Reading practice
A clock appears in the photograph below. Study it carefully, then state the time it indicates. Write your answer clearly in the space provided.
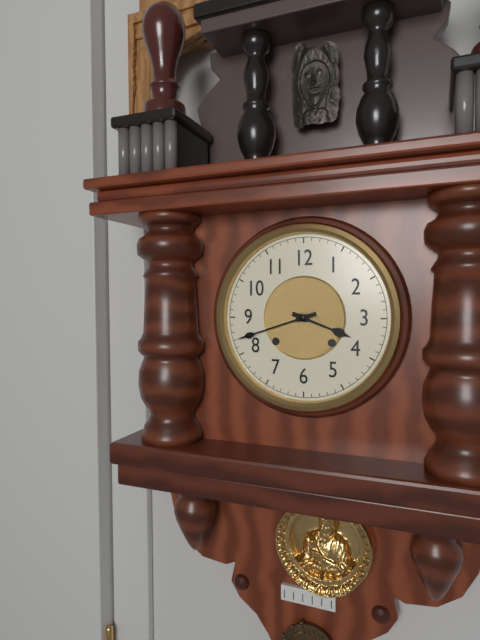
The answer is 3:42
